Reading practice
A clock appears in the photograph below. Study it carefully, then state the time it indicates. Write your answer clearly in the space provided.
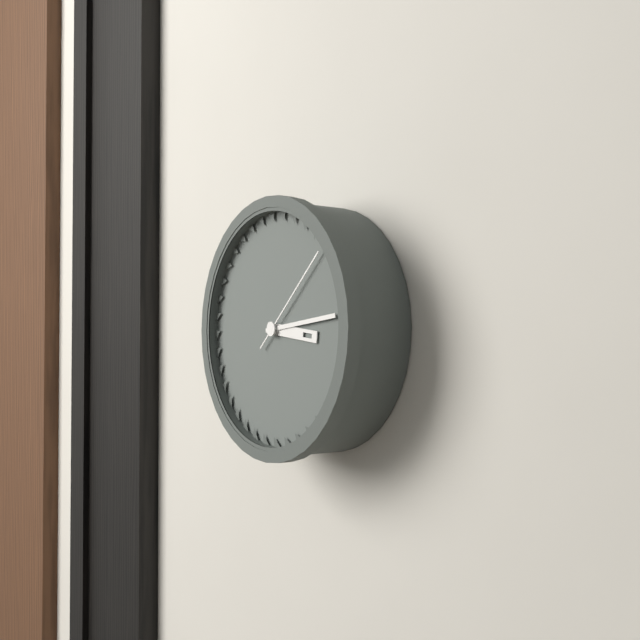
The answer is 3:14:08
